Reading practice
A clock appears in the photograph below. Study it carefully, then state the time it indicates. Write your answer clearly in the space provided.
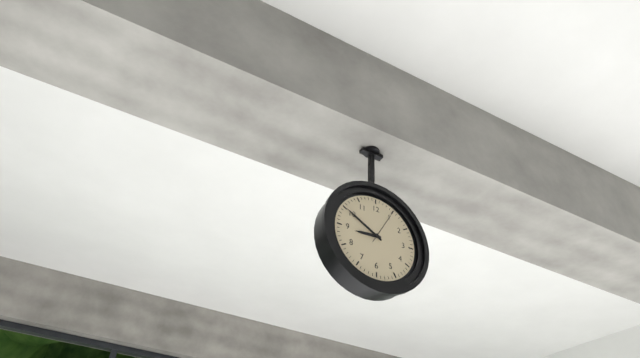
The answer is 8:50
